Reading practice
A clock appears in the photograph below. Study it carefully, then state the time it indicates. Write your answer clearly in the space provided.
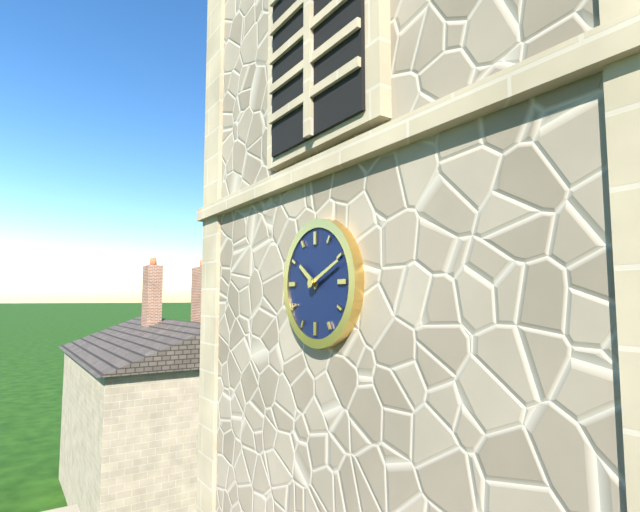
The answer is 10:11
